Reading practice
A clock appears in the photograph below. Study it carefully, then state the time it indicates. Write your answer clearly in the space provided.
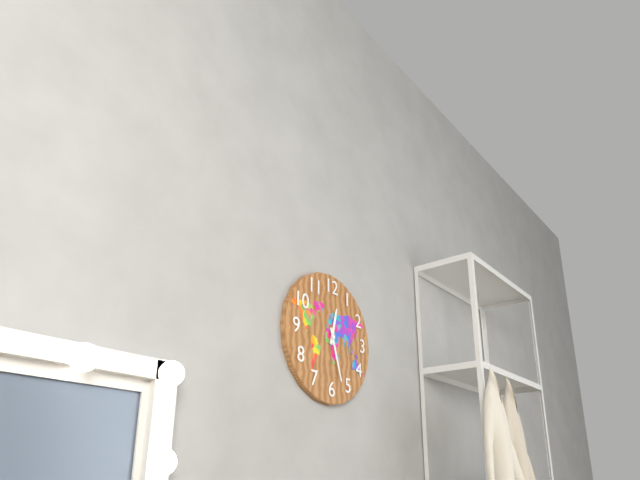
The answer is 12:27
